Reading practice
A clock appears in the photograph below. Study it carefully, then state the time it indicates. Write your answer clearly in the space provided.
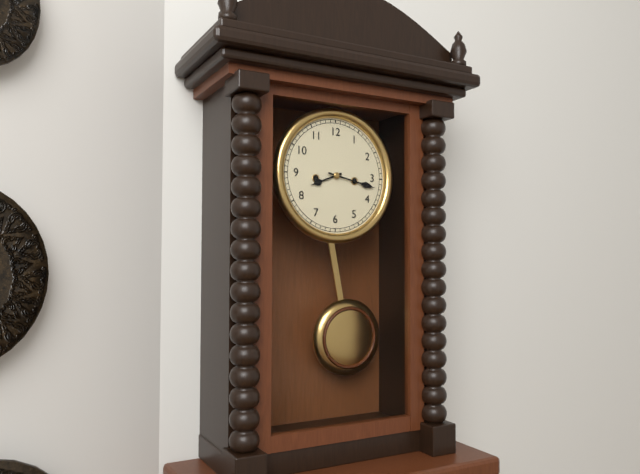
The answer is 8:17
